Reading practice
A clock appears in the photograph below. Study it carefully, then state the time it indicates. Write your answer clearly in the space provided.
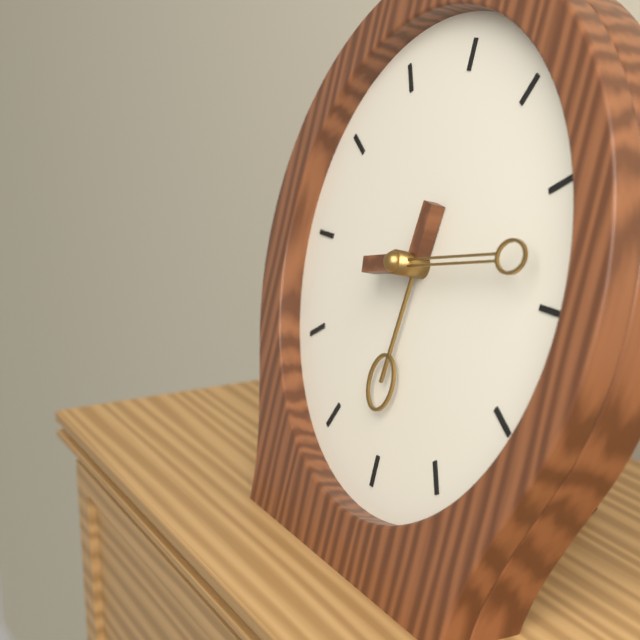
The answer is 6:13
